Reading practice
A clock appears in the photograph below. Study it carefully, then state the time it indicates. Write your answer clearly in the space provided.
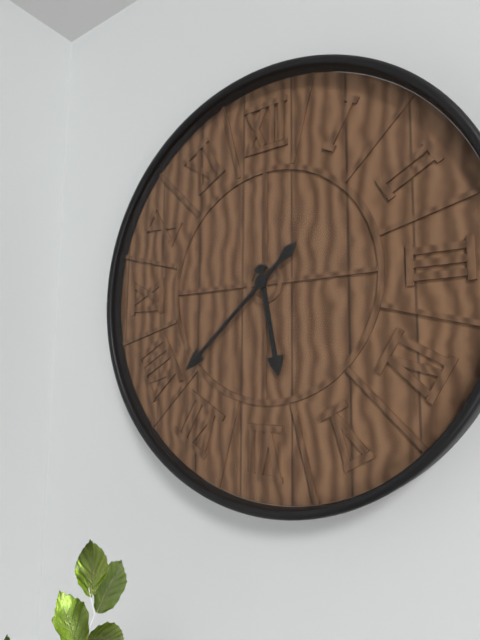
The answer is 5:38
